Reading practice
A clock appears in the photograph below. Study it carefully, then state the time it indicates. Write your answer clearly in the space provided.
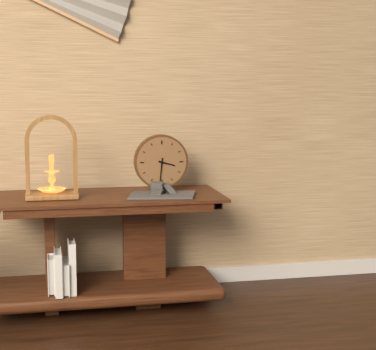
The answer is 3:31
